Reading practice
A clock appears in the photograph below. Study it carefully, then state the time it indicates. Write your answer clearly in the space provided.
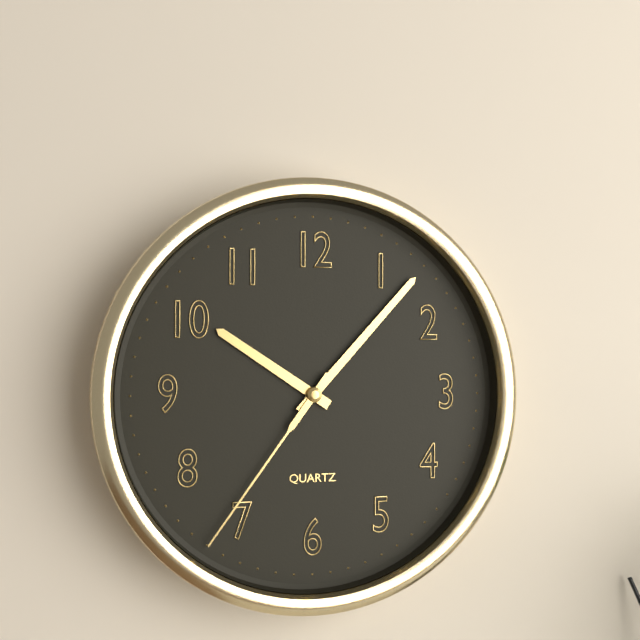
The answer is 10:07:36
